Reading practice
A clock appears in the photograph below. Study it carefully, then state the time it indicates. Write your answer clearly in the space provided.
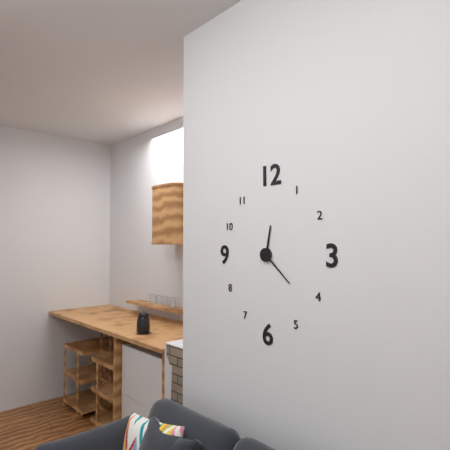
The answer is 12:22
